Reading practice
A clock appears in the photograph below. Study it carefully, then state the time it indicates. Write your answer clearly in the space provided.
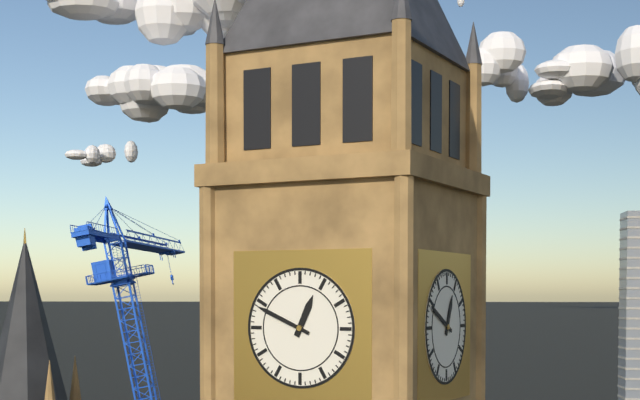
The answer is 12:49
